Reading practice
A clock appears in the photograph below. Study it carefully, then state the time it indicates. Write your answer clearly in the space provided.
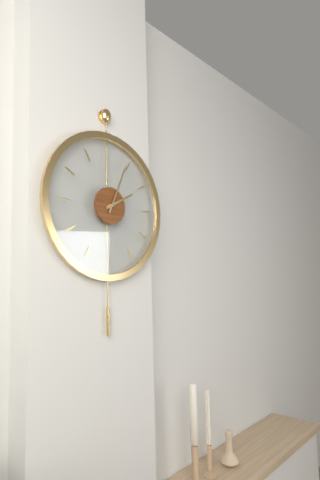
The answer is 2:04
